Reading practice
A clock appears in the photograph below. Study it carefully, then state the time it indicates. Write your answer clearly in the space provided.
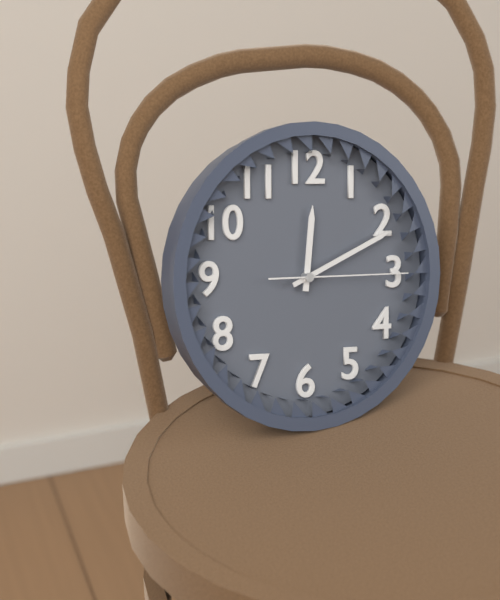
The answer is 12:11:15
